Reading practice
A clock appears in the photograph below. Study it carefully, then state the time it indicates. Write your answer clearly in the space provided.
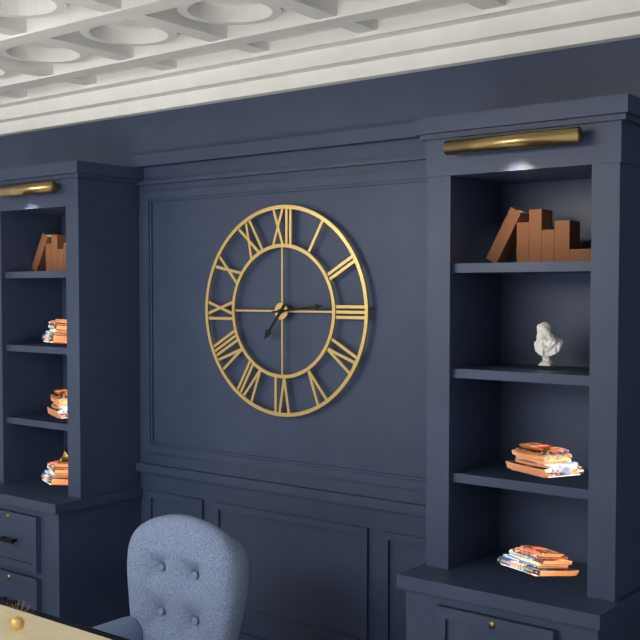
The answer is 7:14
